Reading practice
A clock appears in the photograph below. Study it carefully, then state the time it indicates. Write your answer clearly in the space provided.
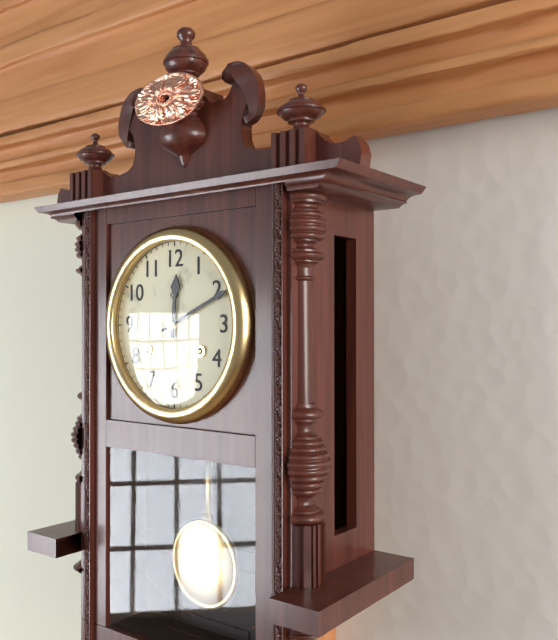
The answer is 12:11
